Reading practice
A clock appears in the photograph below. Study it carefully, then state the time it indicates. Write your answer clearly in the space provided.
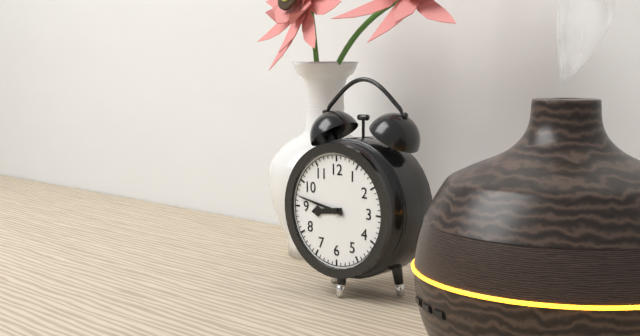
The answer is 8:47
